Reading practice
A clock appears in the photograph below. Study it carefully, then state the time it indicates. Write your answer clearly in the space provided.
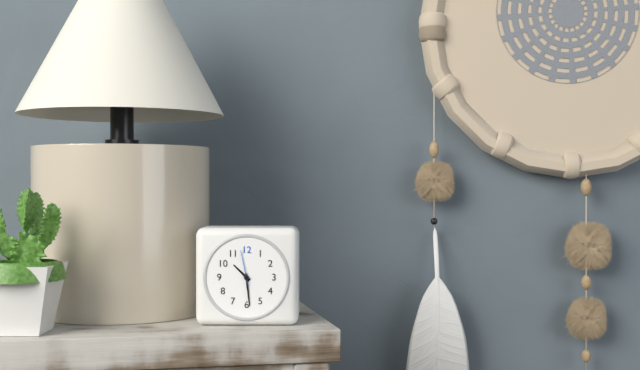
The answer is 10:29
